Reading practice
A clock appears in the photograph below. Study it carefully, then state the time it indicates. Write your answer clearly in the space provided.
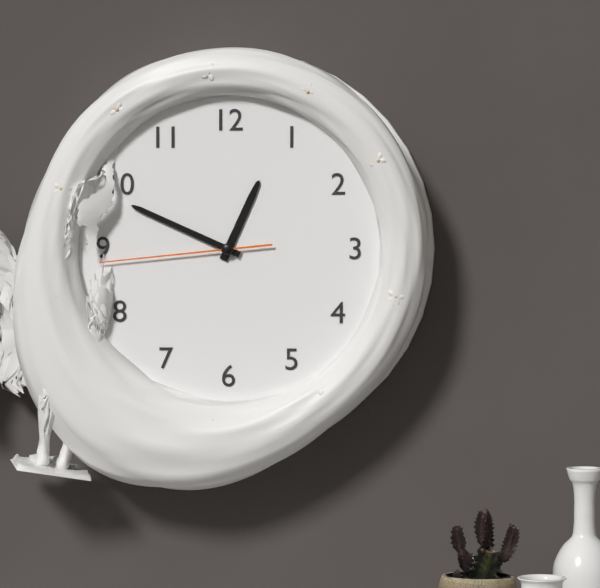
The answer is 12:49:44
